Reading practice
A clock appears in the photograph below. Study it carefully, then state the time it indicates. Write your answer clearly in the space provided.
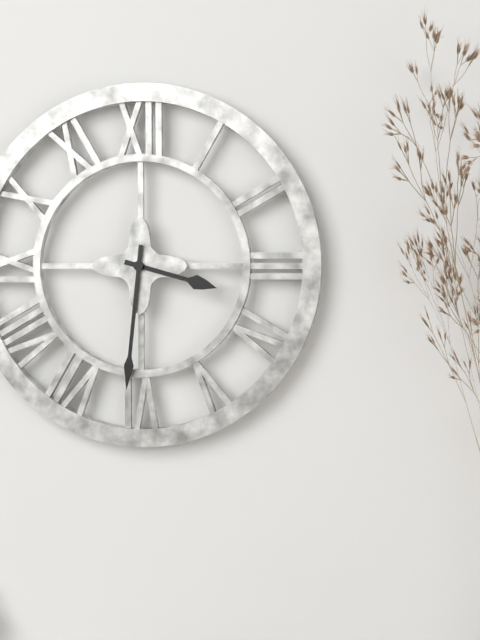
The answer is 3:31
